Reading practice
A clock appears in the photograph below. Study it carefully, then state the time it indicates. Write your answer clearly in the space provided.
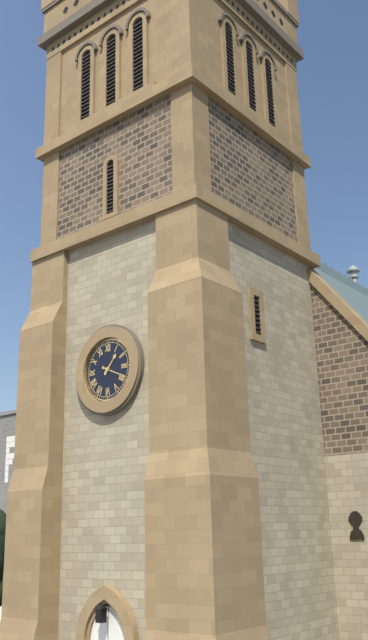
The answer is 1:19
